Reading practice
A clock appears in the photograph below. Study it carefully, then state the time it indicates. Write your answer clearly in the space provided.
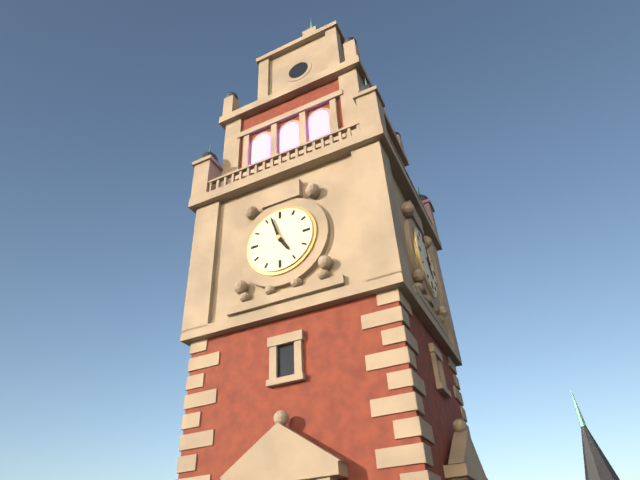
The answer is 4:57
